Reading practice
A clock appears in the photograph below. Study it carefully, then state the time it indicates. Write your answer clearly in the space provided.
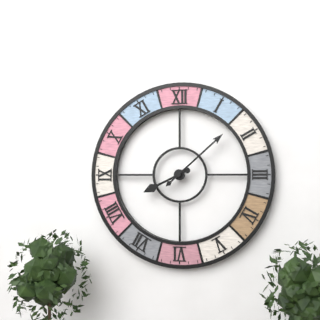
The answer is 8:08
